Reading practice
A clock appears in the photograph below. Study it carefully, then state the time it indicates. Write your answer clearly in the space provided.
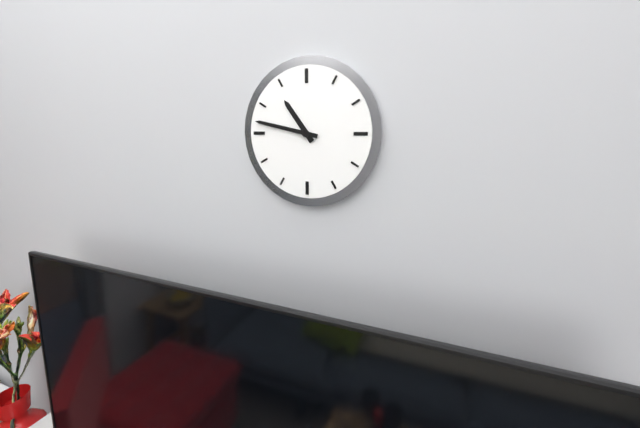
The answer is 10:47
